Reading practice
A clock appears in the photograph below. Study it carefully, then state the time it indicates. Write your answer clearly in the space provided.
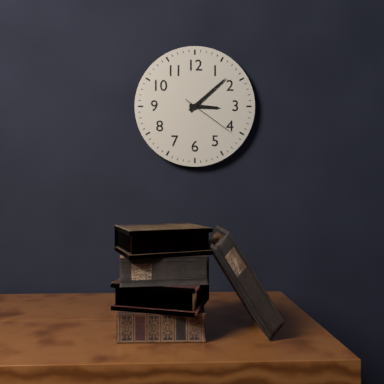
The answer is 3:08:21
